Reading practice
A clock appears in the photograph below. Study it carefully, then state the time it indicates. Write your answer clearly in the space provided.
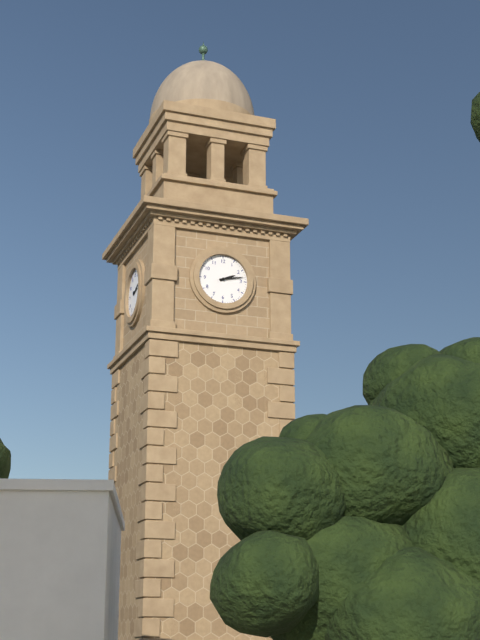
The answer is 2:13
